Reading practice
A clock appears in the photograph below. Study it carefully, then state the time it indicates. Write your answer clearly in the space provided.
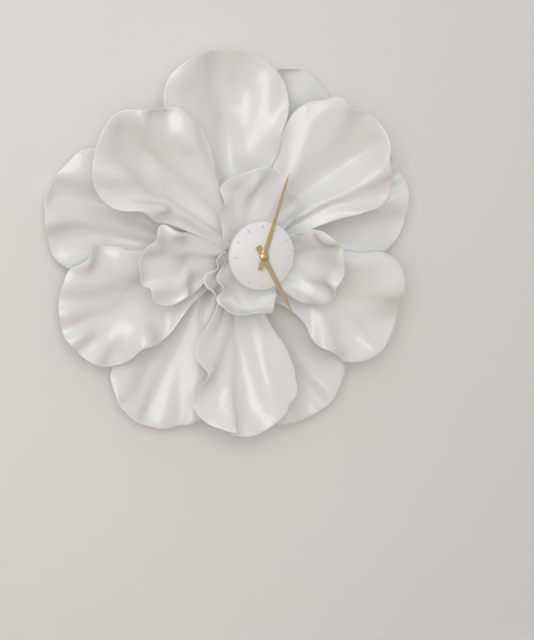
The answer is 5:03
